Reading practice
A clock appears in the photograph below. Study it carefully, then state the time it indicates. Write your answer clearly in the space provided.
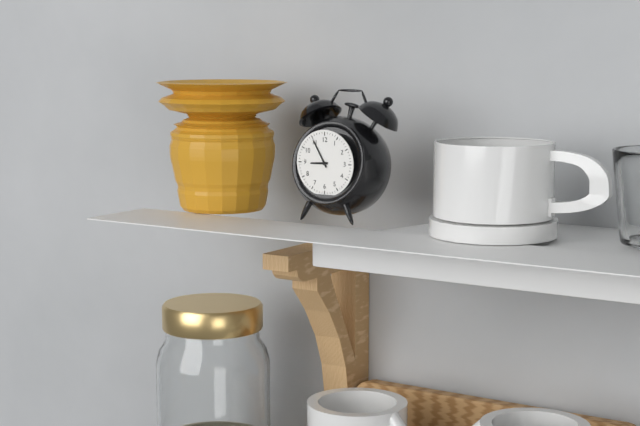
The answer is 8:55
